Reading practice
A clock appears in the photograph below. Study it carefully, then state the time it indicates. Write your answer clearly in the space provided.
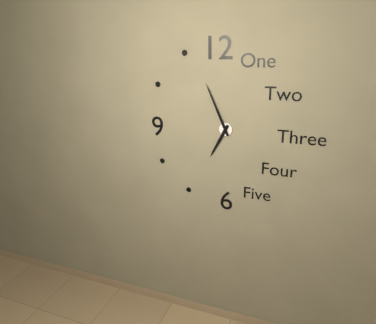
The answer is 6:56
